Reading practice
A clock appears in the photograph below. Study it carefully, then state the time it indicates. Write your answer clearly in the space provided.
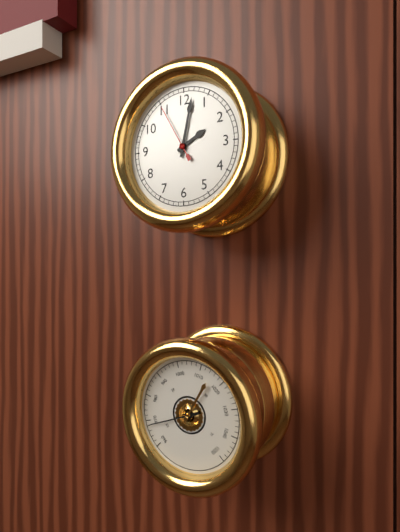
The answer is 2:02:55
